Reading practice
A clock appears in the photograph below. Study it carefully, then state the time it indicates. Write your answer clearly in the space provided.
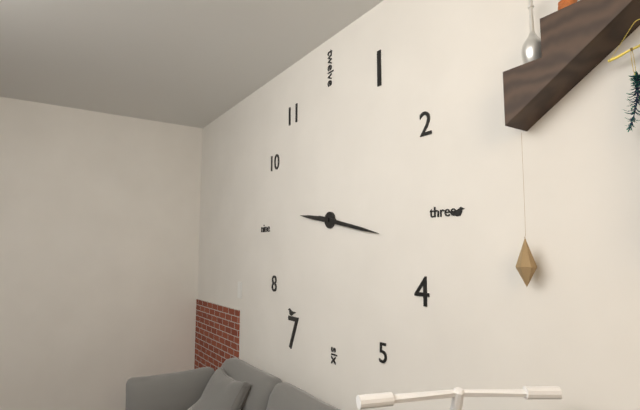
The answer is 9:17
